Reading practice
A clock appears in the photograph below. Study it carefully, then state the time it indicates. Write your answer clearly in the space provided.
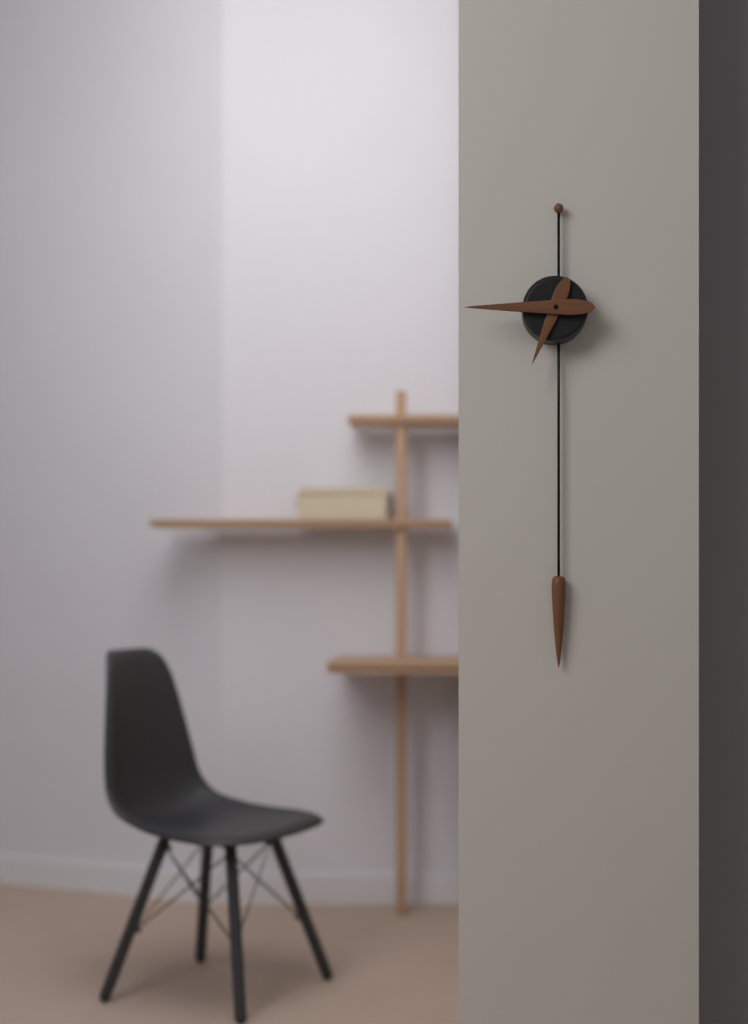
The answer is 6:45
